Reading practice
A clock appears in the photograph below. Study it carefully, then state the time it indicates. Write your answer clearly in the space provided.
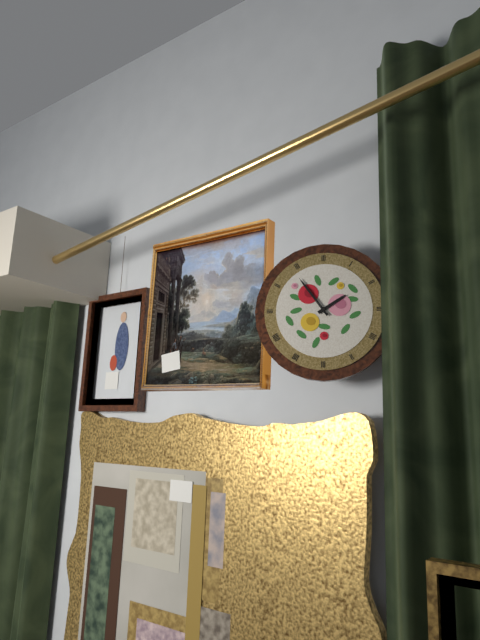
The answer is 1:54
